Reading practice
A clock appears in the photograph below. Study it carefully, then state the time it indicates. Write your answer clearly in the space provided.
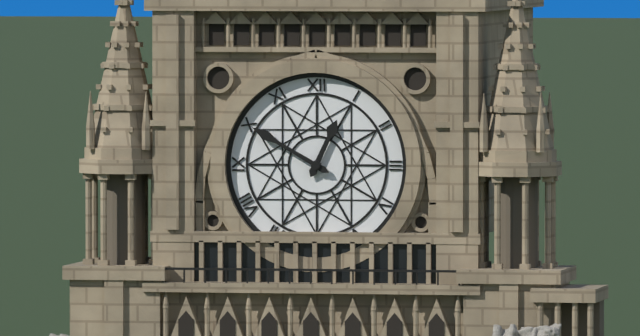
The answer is 12:50
